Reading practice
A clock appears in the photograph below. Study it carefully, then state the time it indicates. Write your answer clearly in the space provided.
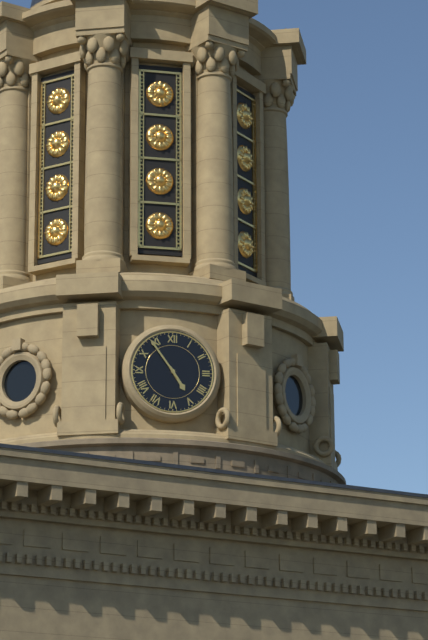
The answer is 4:54
